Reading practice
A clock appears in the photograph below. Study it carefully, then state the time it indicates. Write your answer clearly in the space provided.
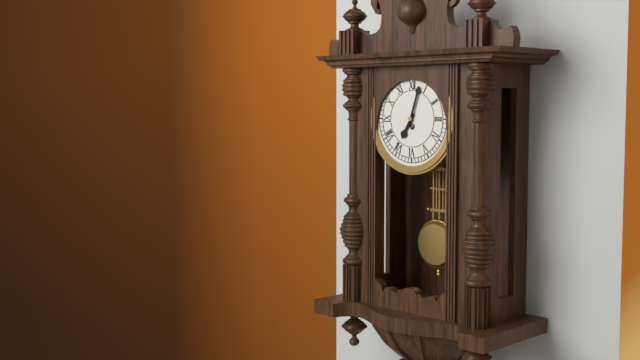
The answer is 7:03
